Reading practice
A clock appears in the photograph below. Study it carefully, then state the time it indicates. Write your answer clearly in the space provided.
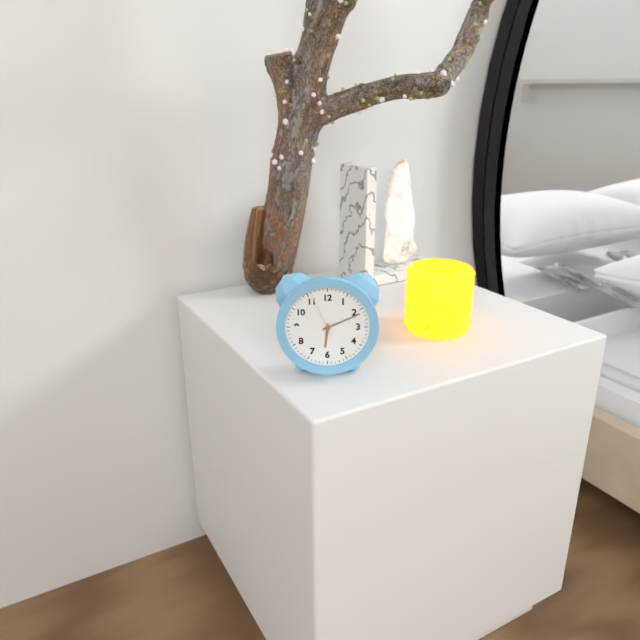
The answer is 6:11
